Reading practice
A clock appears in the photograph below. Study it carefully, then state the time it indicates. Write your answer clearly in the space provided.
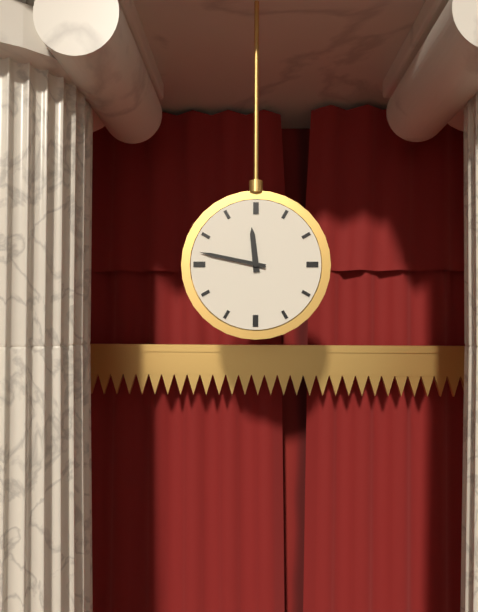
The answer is 11:47
